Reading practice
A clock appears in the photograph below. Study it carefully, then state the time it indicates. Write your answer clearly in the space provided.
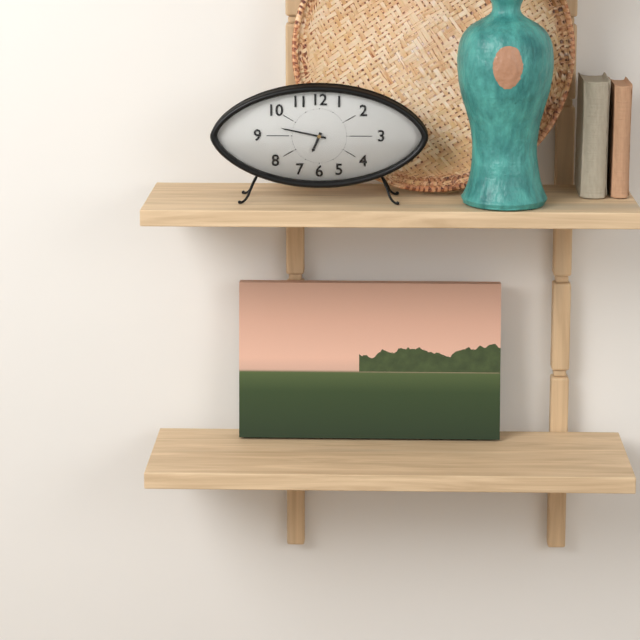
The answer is 6:47
